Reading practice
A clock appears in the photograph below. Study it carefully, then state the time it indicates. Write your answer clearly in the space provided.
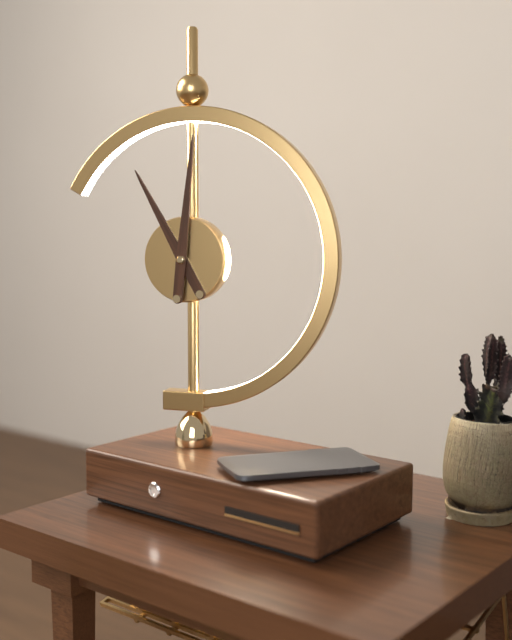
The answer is 11:01
